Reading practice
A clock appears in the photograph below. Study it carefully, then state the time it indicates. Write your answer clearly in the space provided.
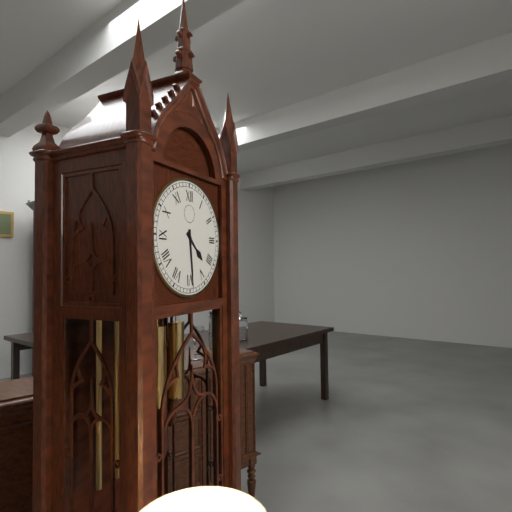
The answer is 4:29
